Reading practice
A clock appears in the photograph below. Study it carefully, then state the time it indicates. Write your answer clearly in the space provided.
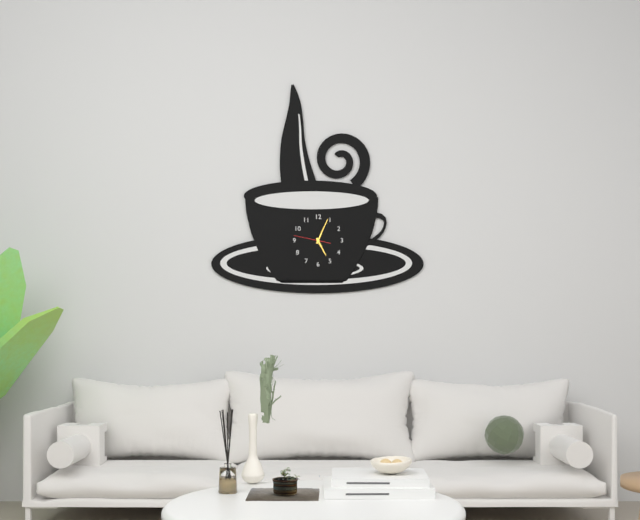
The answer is 5:04
